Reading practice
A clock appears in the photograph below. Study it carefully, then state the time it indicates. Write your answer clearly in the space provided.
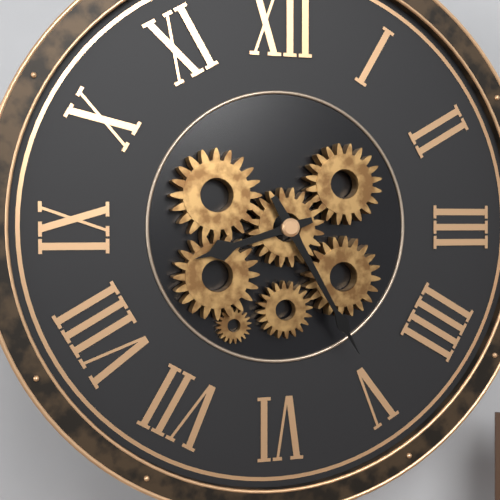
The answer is 8:25
